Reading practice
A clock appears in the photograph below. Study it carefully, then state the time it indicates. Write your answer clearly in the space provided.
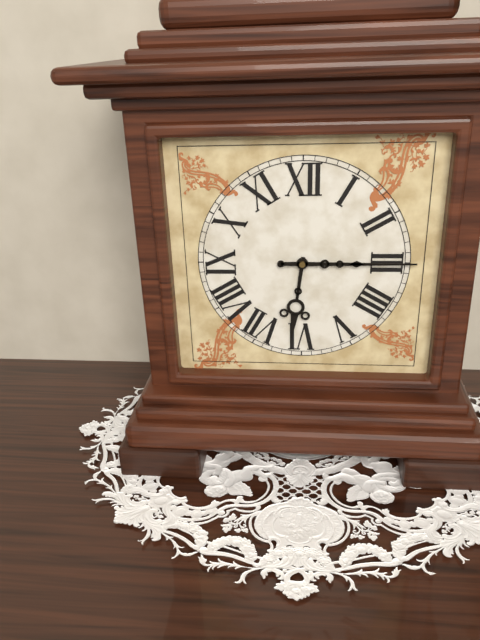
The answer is 6:15
